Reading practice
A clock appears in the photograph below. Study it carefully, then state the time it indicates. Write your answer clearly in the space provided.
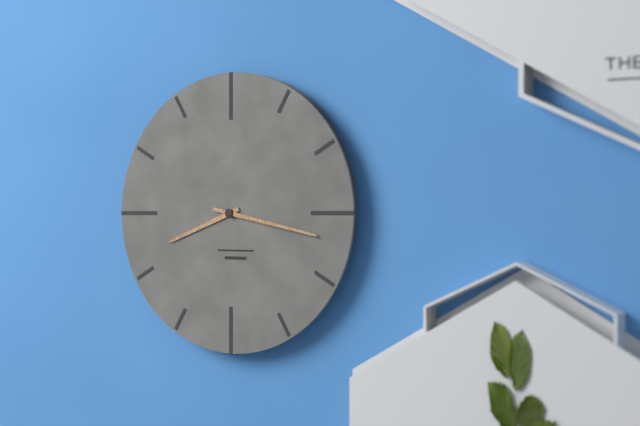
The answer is 8:17
